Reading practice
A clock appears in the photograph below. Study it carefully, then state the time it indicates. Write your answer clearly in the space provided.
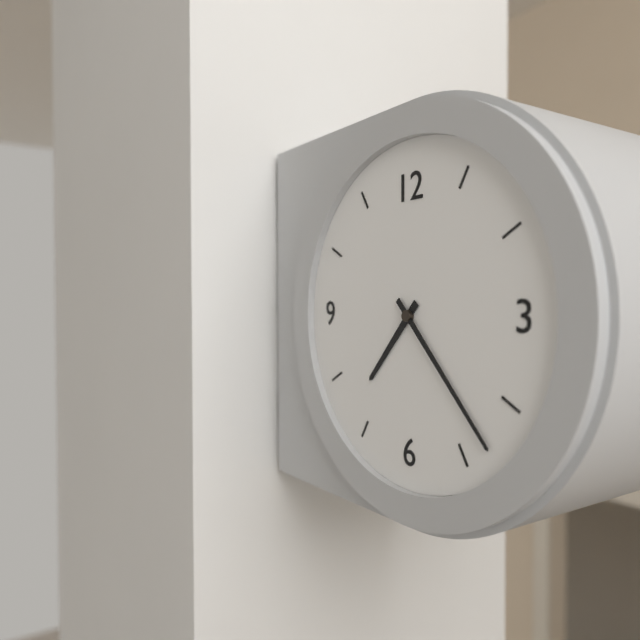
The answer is 7:23
